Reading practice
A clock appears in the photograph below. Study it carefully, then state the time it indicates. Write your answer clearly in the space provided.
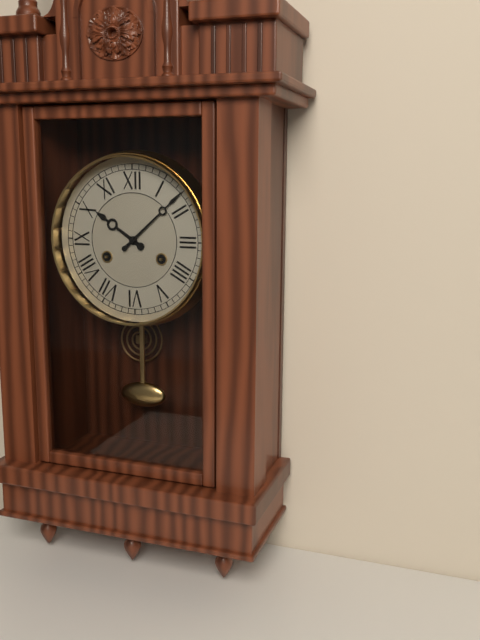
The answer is 10:08
